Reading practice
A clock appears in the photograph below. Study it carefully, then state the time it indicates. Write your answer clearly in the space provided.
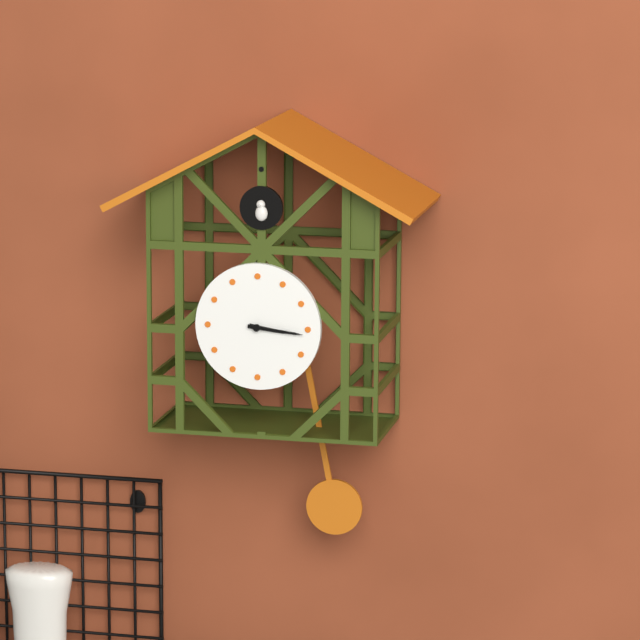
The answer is 3:16
